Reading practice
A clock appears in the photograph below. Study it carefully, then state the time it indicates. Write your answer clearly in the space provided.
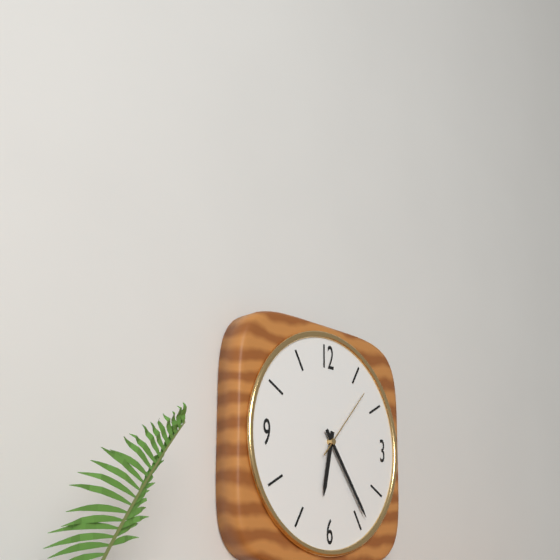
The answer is 6:24:07
